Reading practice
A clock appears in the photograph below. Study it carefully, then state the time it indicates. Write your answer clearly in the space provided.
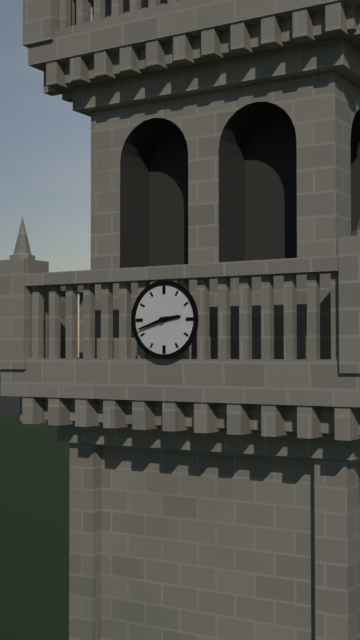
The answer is 2:42
